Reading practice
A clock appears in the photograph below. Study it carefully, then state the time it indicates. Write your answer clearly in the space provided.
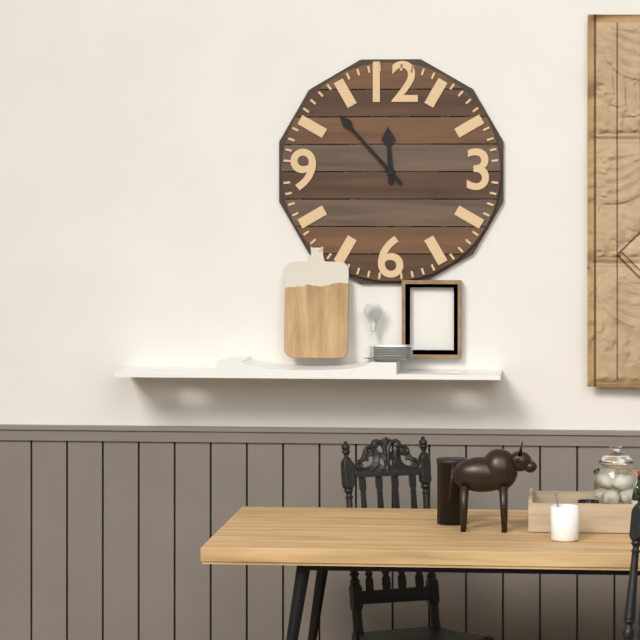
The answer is 11:53
